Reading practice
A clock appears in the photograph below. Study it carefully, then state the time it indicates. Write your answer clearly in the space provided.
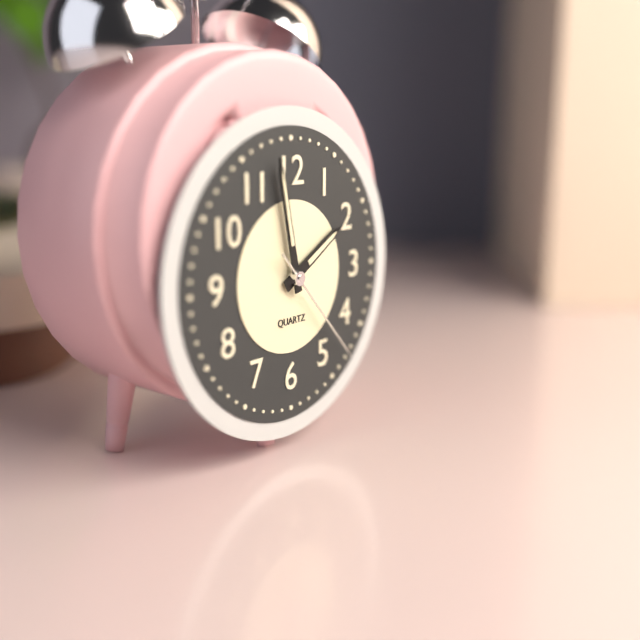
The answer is 1:58:23
